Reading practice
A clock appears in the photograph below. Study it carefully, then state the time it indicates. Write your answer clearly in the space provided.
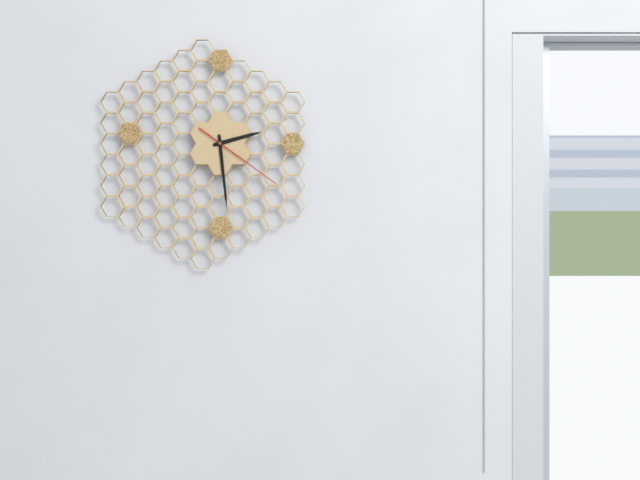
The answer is 2:29:21
